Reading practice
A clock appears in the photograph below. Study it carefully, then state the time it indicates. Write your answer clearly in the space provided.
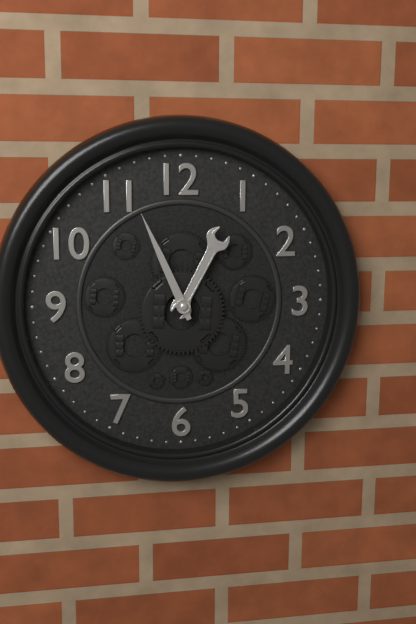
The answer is 12:56
